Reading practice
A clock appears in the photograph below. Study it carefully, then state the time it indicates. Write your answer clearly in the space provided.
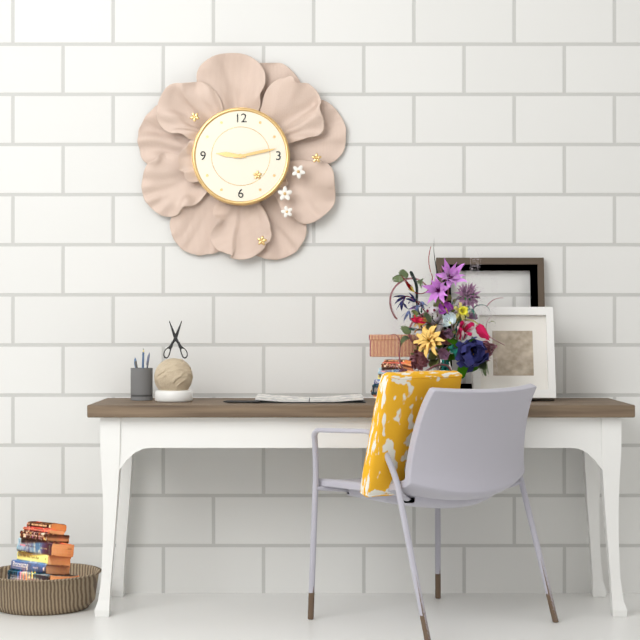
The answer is 9:13
